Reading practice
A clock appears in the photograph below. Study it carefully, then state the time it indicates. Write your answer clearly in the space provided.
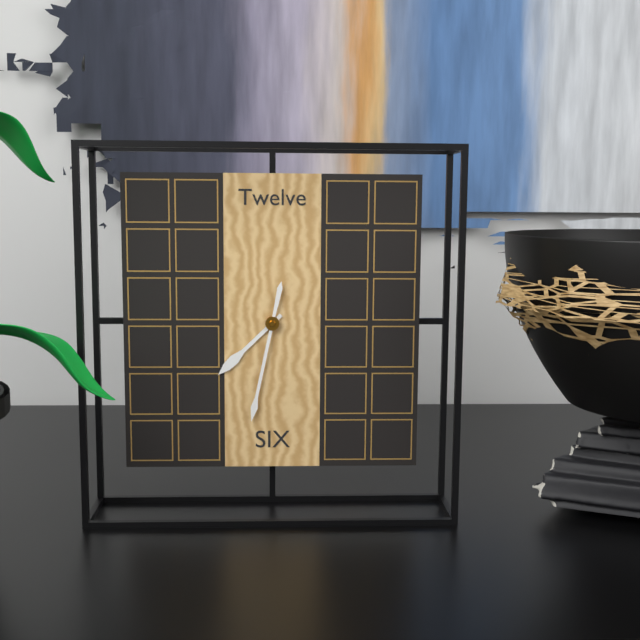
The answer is 7:32
